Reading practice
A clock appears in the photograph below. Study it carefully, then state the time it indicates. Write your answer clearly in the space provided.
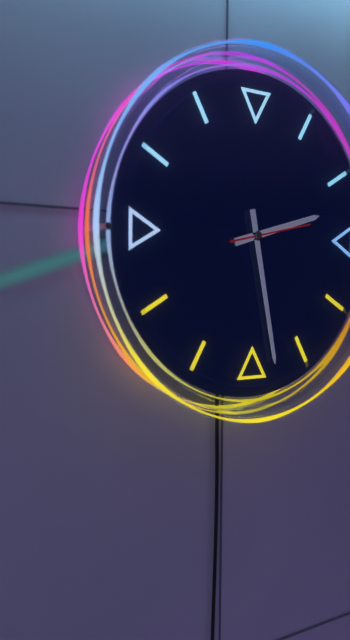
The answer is 2:28:13
